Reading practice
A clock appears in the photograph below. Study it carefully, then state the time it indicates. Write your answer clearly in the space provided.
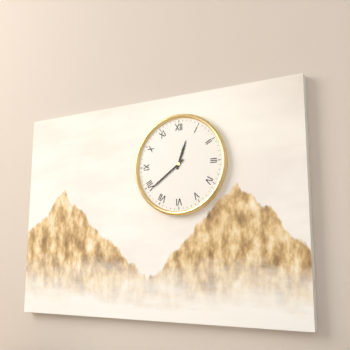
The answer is 12:39
